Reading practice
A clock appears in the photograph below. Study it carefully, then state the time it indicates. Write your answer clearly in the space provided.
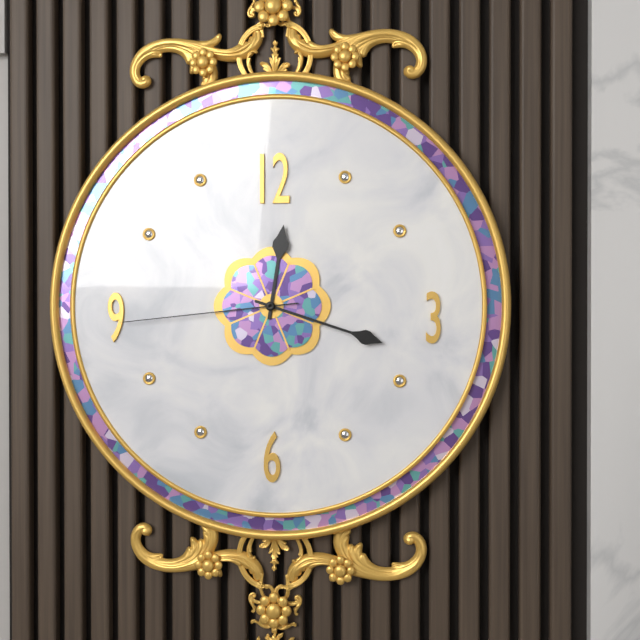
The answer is 12:18:44
